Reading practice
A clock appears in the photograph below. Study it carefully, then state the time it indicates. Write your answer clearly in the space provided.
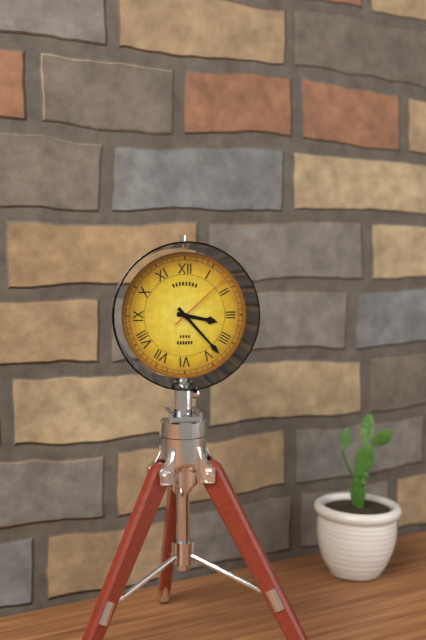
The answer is 3:23:08
